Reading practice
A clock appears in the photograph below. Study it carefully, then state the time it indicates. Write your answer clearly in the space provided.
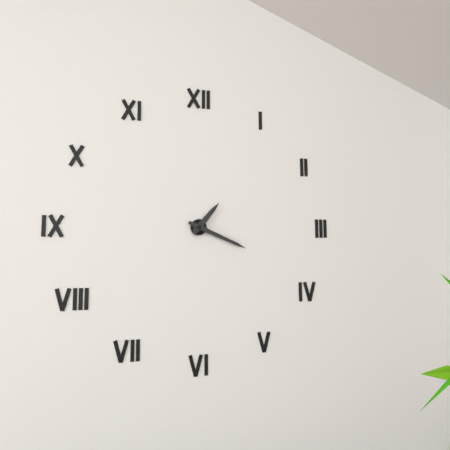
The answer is 1:19
